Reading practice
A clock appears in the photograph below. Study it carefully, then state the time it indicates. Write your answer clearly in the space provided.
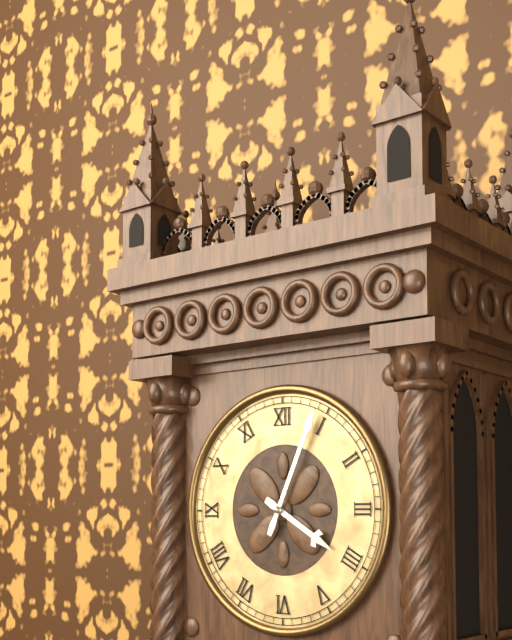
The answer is 4:04
